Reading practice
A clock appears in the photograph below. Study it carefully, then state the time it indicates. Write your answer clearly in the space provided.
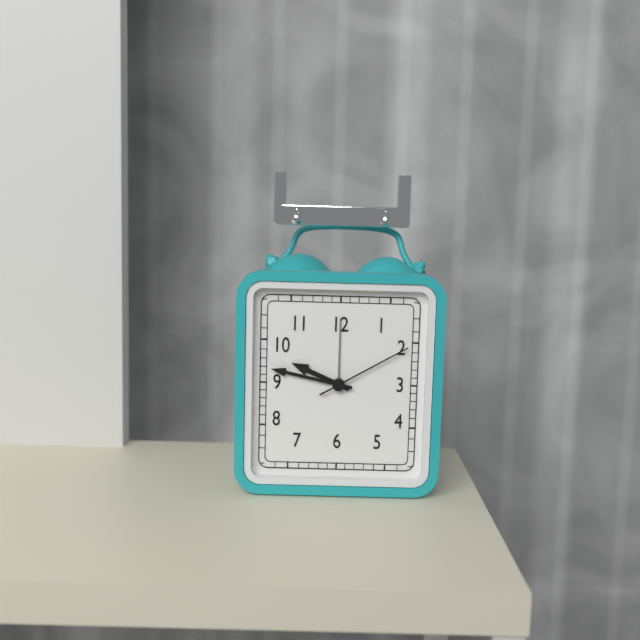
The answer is 9:47:10
